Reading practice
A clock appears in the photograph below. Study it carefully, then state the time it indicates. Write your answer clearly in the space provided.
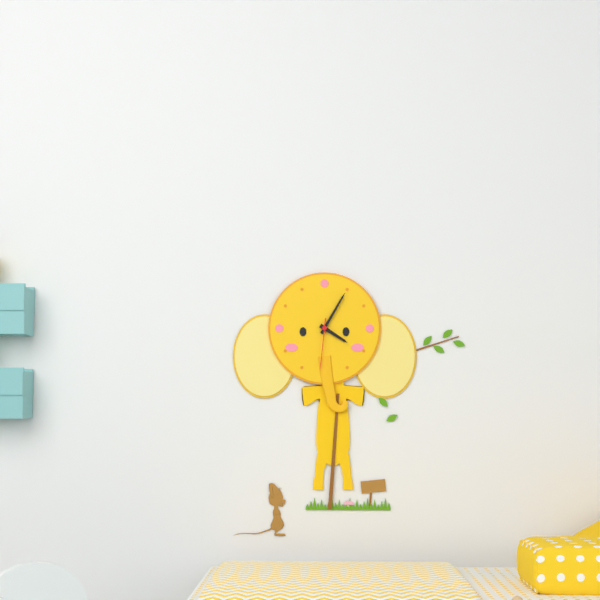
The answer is 4:05:31
